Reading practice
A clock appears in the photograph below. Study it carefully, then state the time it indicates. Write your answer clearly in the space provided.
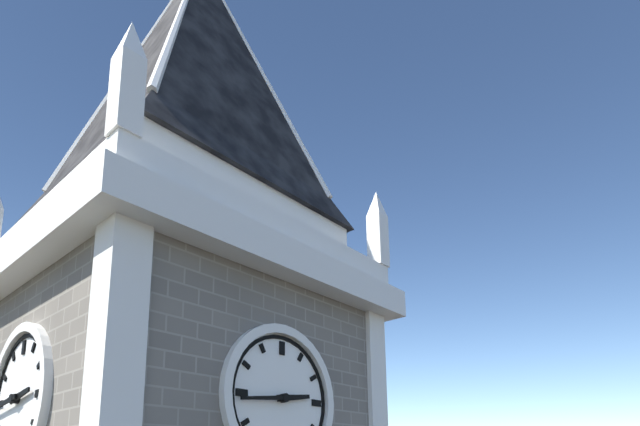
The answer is 2:44
